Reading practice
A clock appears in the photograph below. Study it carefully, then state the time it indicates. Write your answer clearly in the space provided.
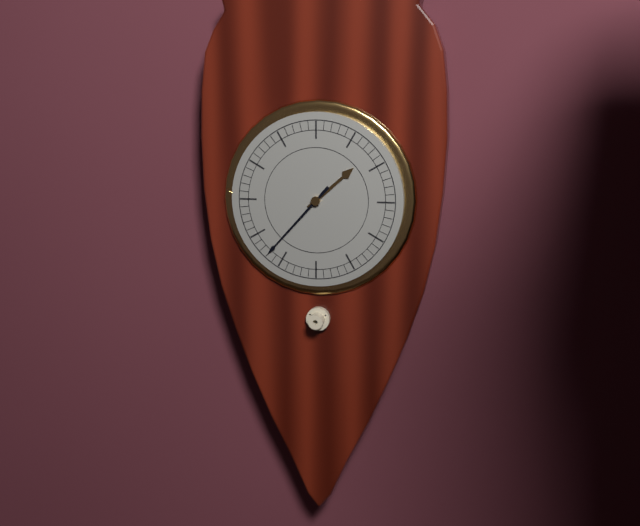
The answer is 1:37
